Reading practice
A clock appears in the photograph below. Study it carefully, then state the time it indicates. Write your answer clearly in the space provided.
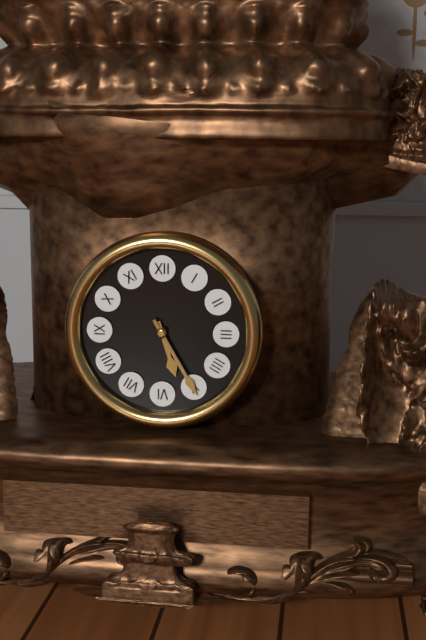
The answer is 5:25
